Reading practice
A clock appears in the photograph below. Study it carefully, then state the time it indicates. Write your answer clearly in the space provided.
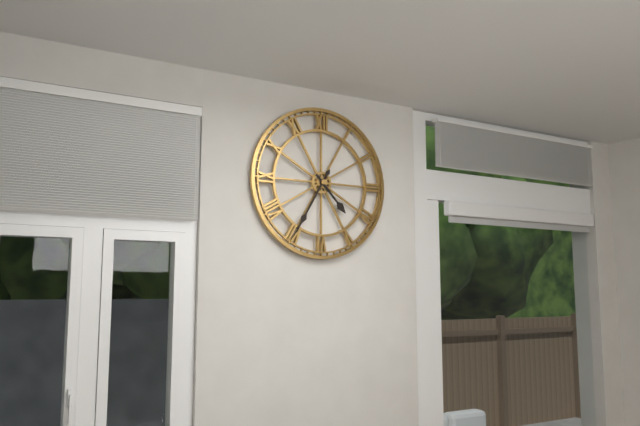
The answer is 4:35
